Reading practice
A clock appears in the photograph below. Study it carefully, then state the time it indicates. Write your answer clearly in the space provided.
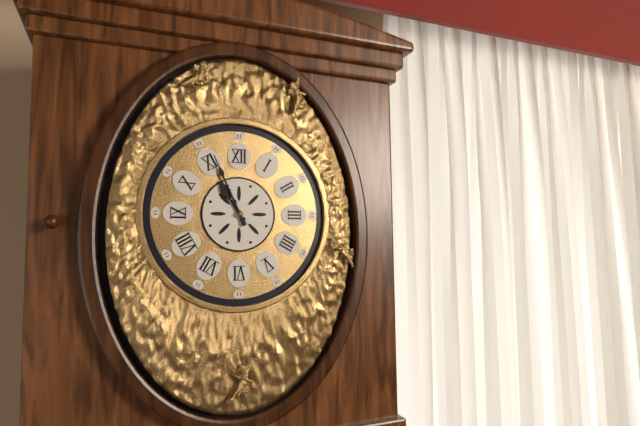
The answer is 10:56
